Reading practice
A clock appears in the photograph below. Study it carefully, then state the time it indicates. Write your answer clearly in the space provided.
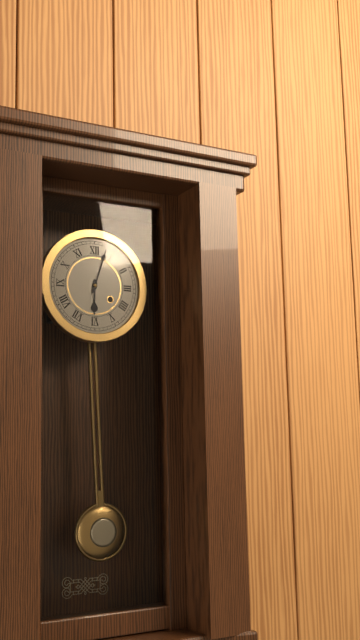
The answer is 6:03
